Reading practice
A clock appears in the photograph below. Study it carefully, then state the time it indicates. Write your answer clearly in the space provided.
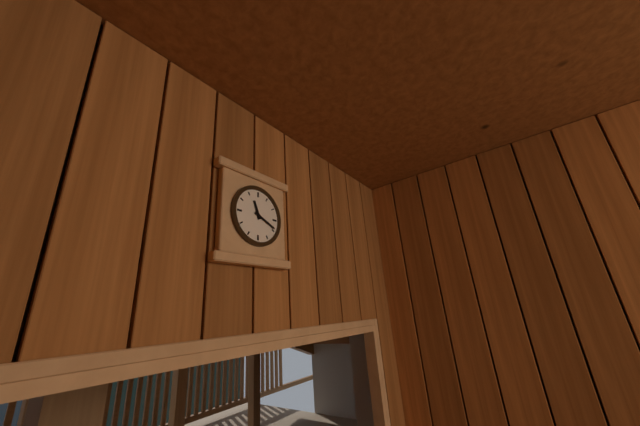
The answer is 11:19
